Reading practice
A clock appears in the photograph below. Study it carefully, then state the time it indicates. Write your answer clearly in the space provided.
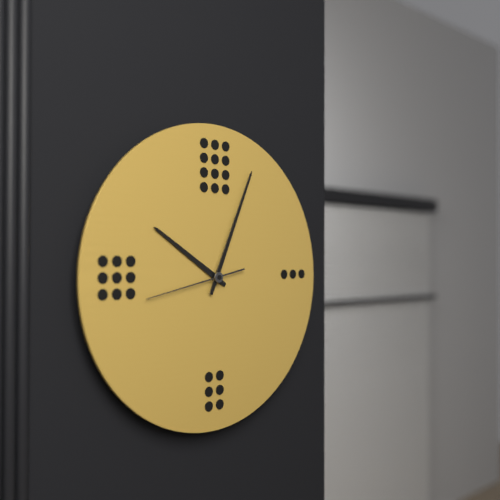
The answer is 10:04:43
